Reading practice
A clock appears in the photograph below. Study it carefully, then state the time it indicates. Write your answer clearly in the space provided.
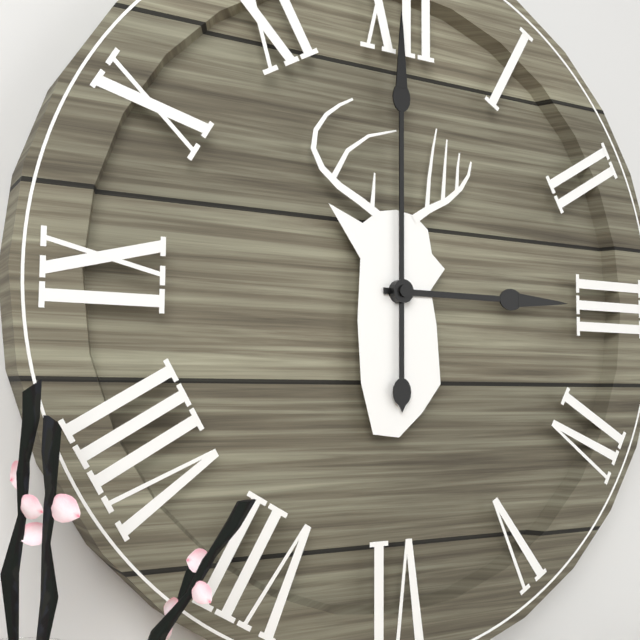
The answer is 3:00
